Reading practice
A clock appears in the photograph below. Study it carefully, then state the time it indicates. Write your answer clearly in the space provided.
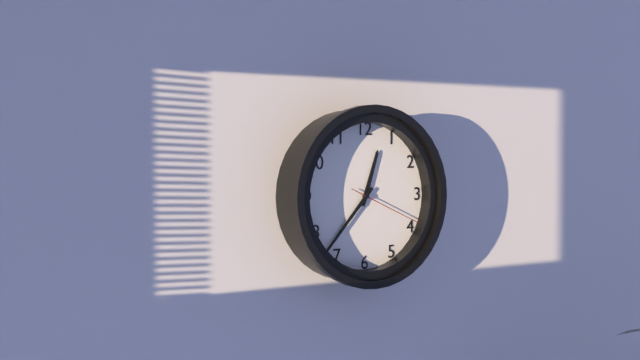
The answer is 12:37:19
